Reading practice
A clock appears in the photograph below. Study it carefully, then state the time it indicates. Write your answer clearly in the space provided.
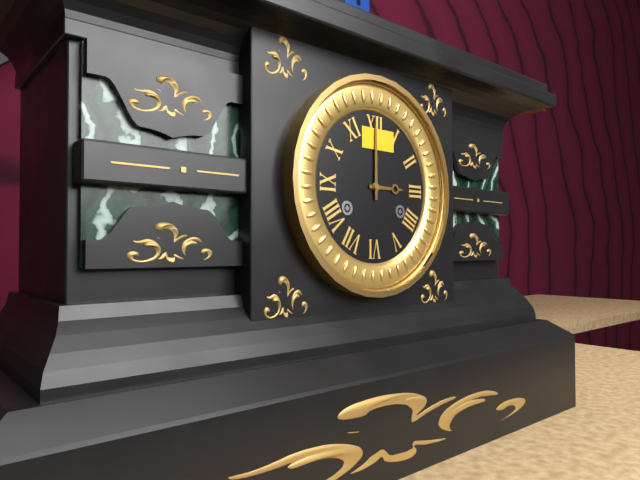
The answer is 3:00
